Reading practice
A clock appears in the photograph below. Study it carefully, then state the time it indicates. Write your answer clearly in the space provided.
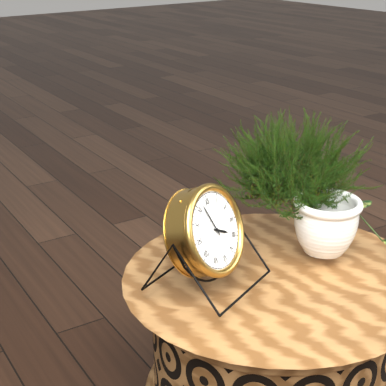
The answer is 3:57
